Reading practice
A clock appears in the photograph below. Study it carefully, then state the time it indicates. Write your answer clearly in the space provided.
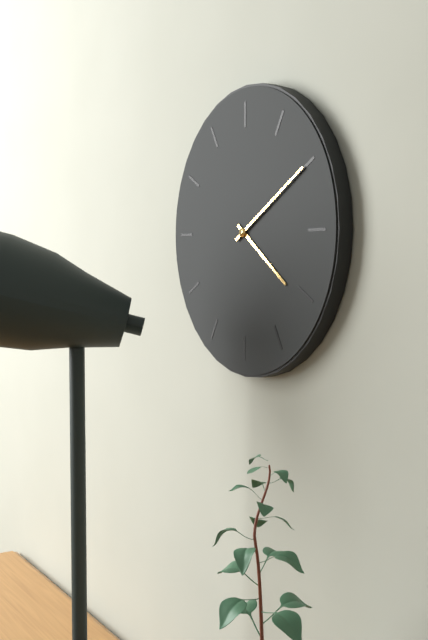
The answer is 4:10
